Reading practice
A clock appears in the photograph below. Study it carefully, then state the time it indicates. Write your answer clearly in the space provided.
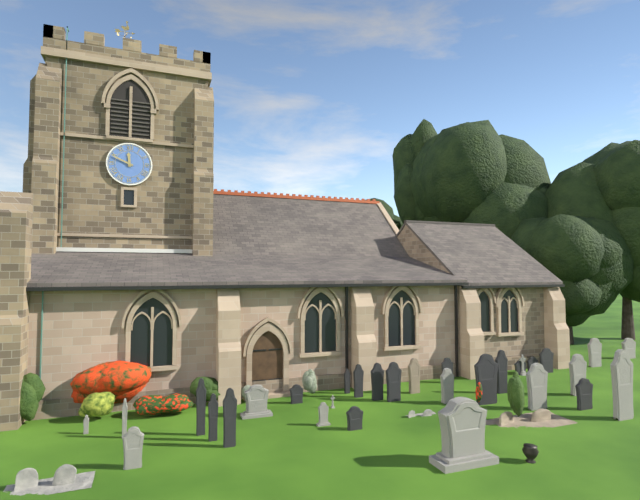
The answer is 11:49
